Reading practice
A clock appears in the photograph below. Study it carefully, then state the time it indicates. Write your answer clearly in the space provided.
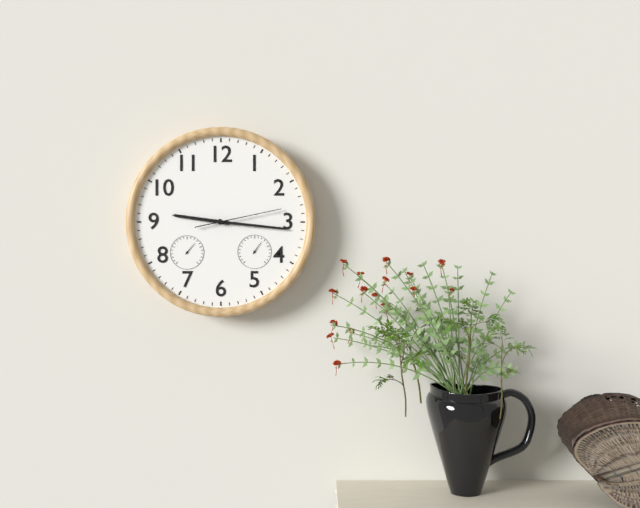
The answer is 9:16:13
